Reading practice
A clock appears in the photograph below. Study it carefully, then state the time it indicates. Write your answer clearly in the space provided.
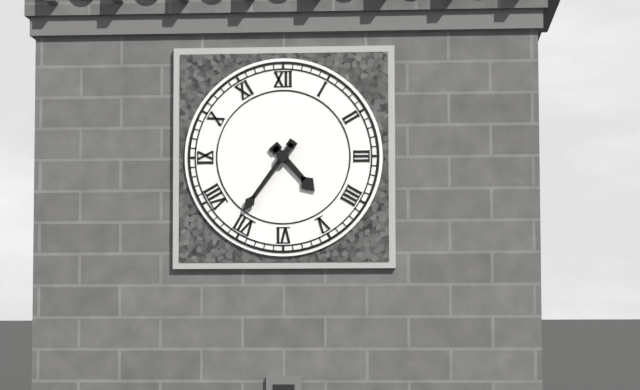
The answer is 4:36
